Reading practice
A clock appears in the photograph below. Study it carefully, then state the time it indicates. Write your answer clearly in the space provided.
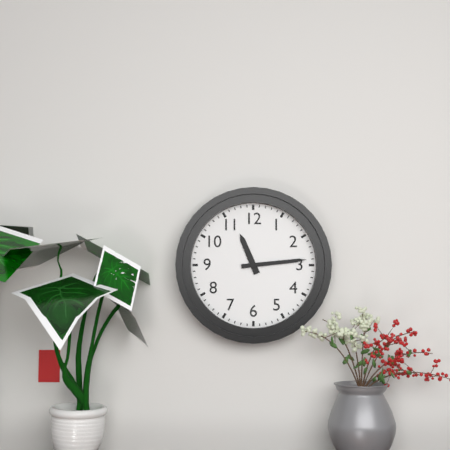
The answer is 11:14
